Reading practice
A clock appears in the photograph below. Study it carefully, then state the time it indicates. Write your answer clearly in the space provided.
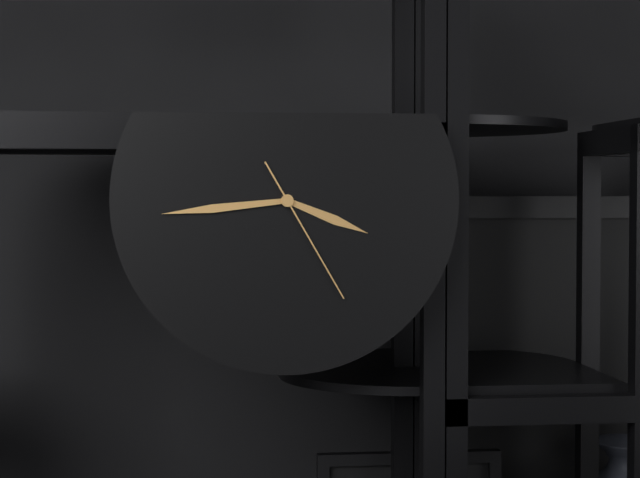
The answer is 3:44:25
